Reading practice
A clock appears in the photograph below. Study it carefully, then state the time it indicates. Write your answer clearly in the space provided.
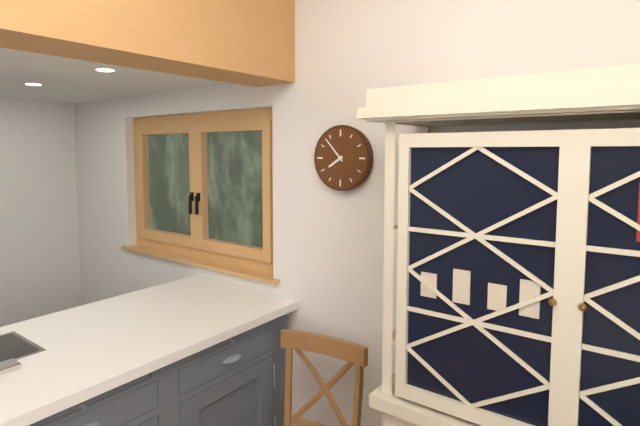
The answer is 7:53
